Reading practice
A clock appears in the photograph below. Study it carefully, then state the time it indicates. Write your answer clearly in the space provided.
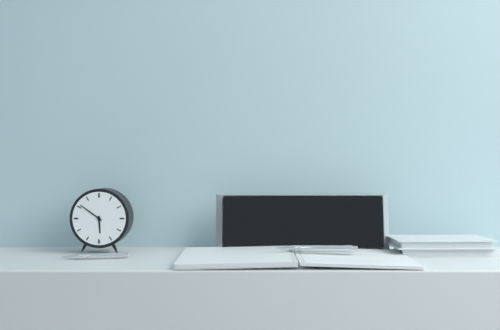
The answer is 5:51
